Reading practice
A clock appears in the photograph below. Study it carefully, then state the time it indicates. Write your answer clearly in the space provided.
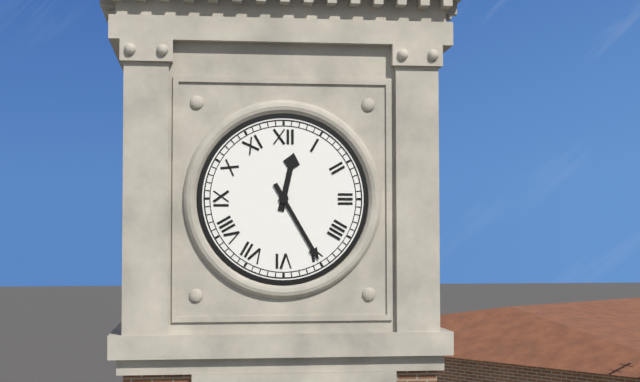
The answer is 12:25
